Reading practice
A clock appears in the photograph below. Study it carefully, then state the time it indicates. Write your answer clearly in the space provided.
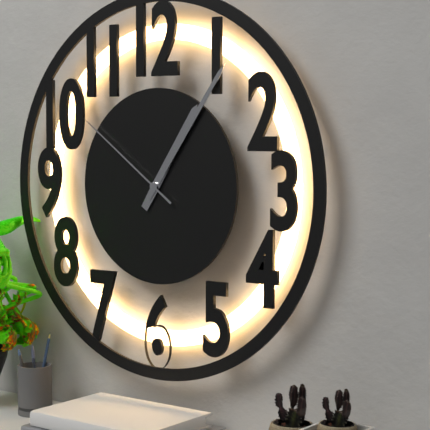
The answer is 1:06:51
